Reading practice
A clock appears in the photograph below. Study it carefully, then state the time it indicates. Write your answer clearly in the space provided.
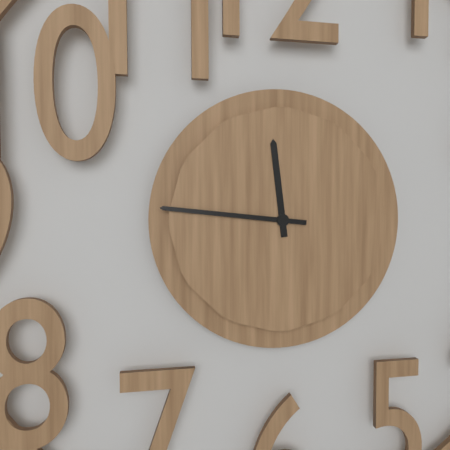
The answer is 11:46
